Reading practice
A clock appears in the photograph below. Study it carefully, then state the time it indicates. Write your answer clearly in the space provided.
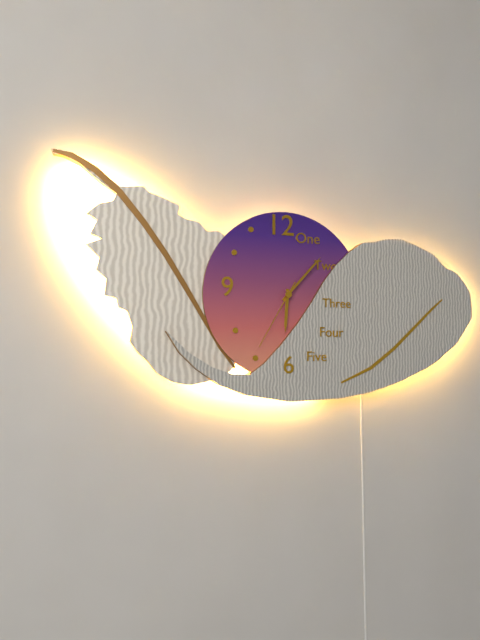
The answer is 6:07:35
